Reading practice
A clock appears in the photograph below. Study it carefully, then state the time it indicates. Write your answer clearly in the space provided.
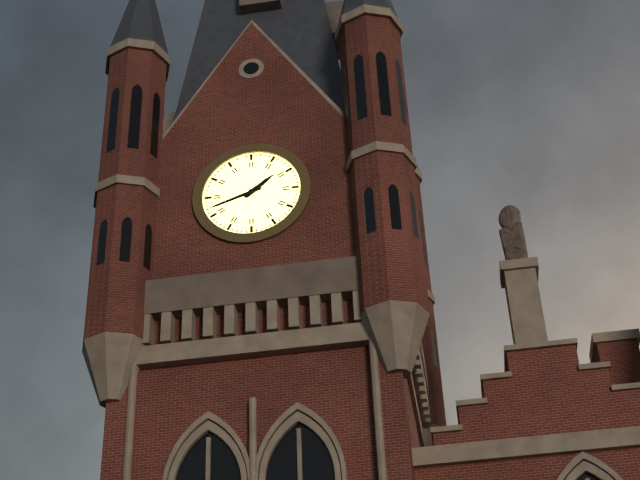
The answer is 1:42
